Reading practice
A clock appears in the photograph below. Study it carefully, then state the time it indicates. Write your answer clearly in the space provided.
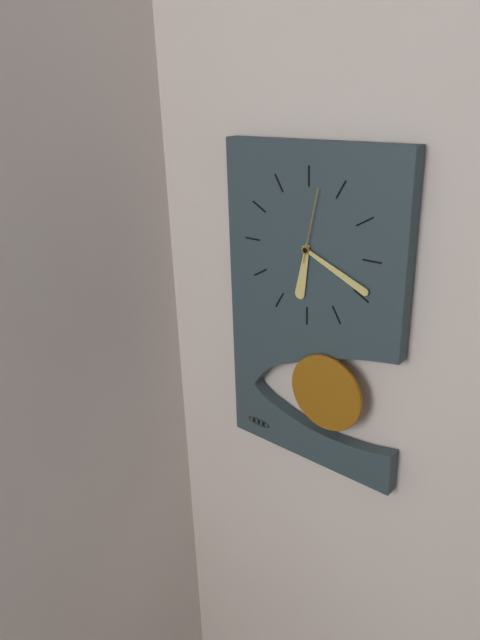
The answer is 6:19:02
